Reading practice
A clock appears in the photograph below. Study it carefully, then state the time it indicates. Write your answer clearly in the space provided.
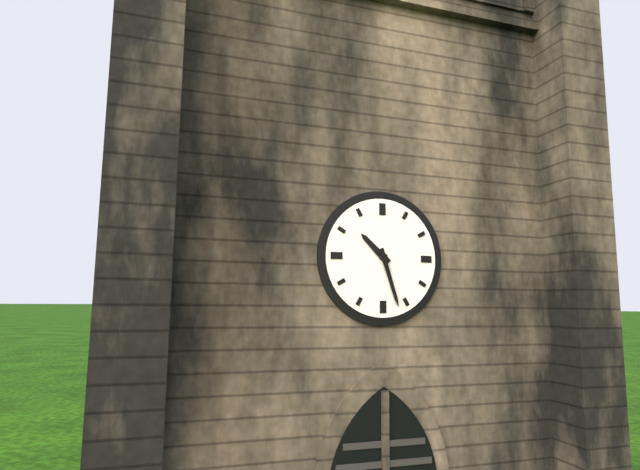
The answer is 10:27
